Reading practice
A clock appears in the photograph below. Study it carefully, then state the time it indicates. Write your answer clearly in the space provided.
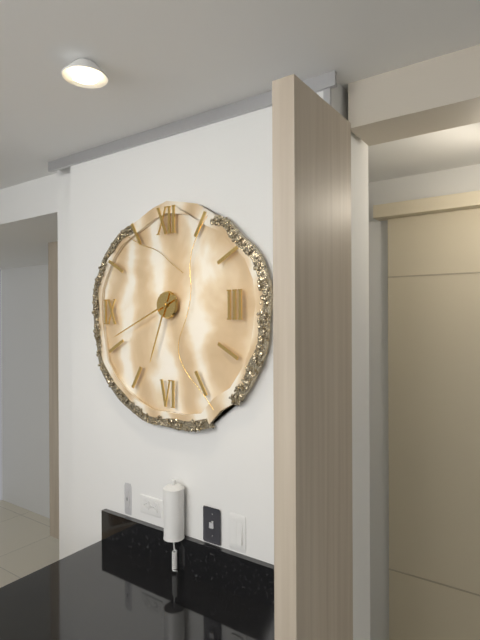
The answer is 6:41
